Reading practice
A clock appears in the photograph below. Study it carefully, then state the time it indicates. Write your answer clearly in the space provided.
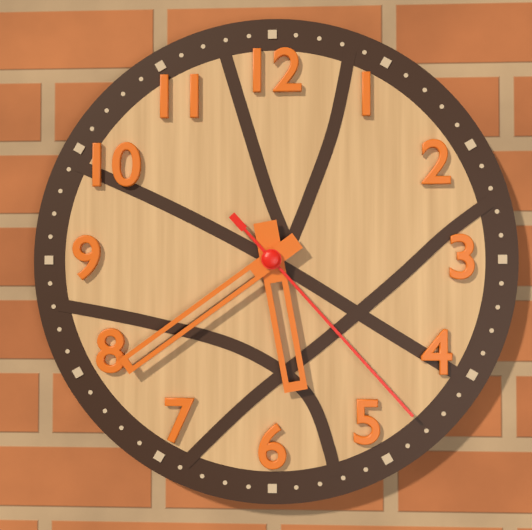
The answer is 5:39:23
